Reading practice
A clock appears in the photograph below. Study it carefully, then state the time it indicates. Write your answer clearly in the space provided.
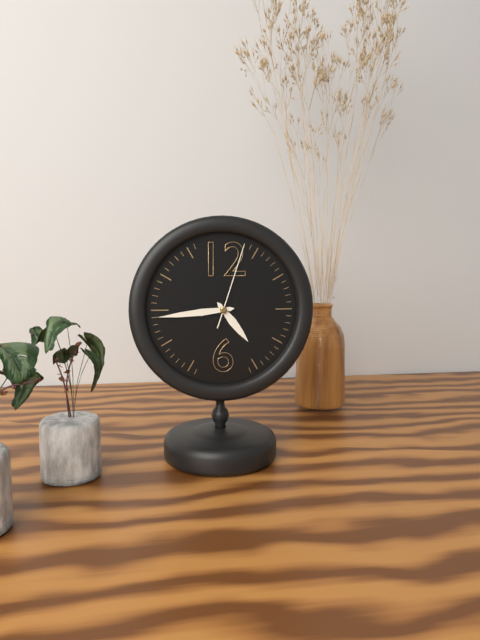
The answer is 4:44:03
